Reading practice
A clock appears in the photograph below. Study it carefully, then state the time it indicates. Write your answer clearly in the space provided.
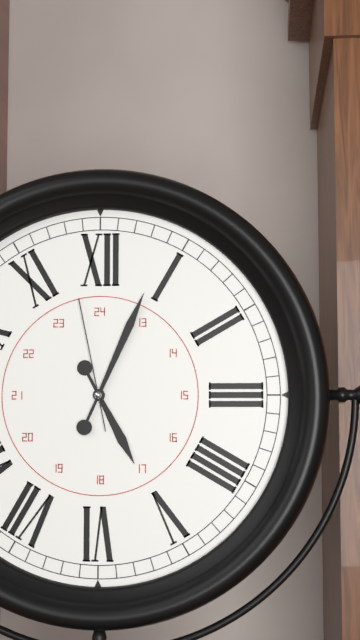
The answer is 5:04:58
